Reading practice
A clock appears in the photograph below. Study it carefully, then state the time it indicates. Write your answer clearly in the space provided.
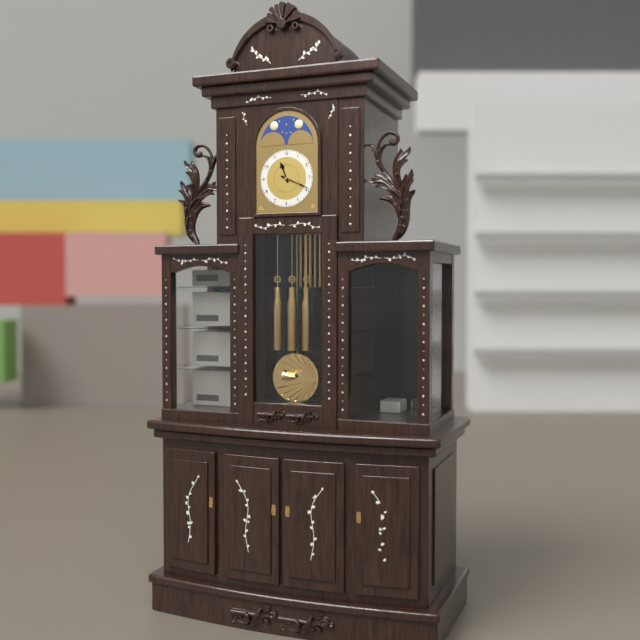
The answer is 11:19
